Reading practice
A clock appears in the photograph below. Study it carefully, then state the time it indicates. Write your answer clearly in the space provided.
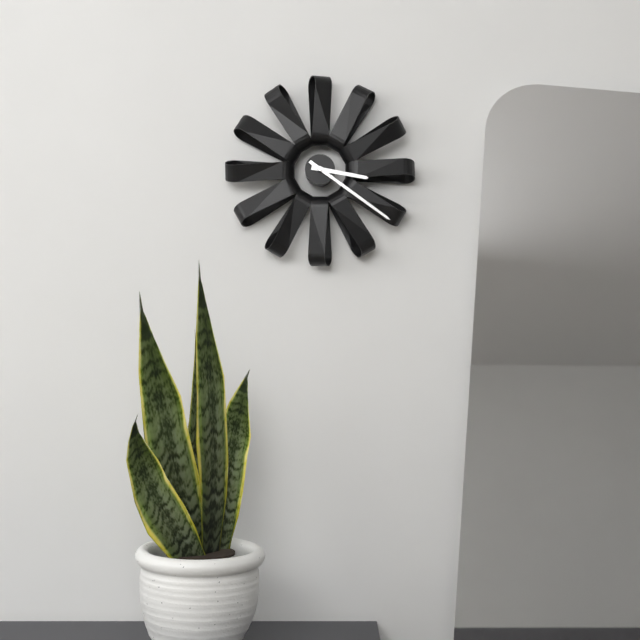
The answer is 3:21
